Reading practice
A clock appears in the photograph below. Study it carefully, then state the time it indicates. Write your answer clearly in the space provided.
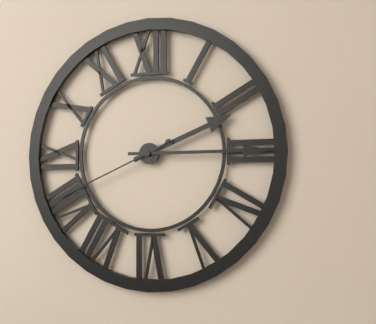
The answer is 2:15:41
